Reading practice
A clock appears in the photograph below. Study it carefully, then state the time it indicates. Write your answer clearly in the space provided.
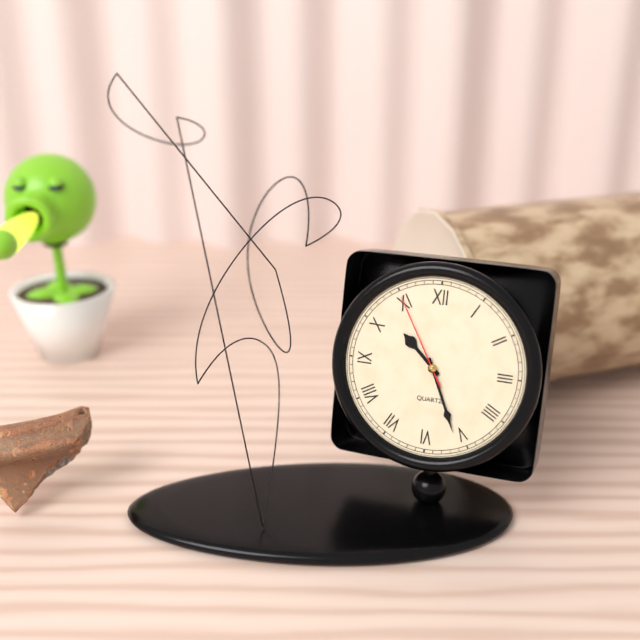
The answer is 10:26:55
